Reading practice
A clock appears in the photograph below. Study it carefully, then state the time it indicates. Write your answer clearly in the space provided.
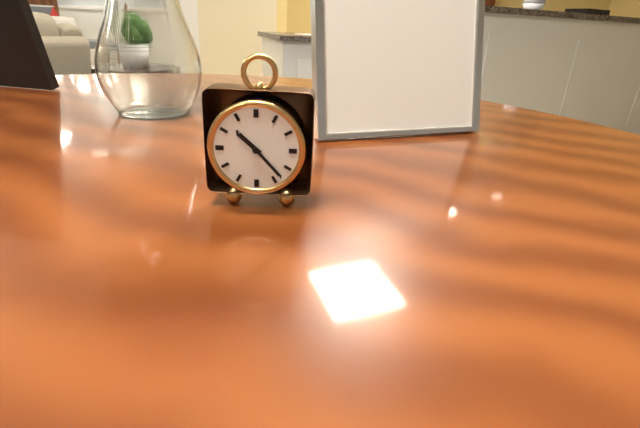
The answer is 10:23
